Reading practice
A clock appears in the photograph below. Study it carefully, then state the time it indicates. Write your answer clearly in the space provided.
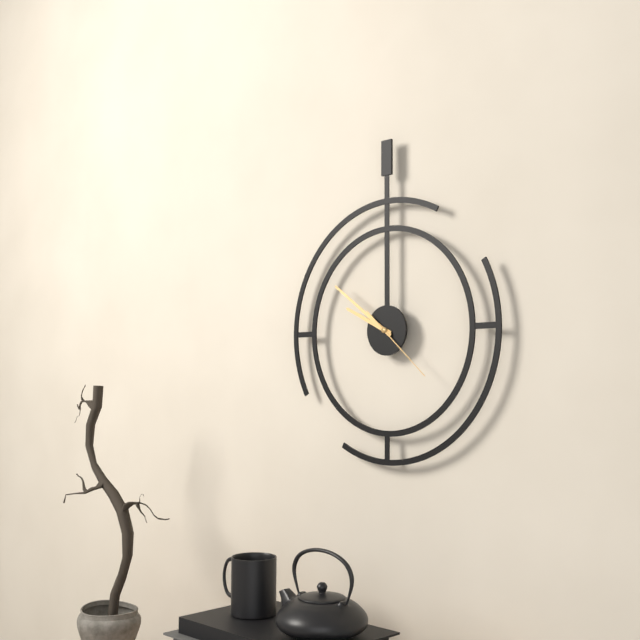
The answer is 9:51:22
